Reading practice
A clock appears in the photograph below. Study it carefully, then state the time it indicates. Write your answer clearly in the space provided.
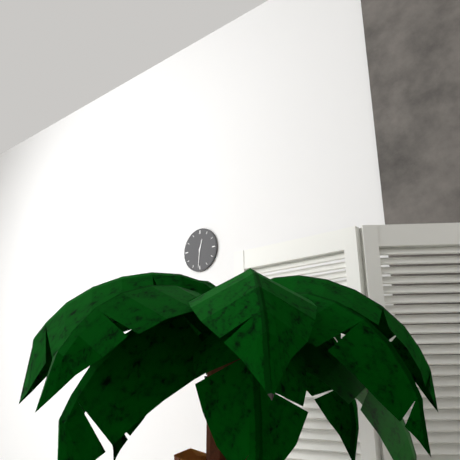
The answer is 12:31
